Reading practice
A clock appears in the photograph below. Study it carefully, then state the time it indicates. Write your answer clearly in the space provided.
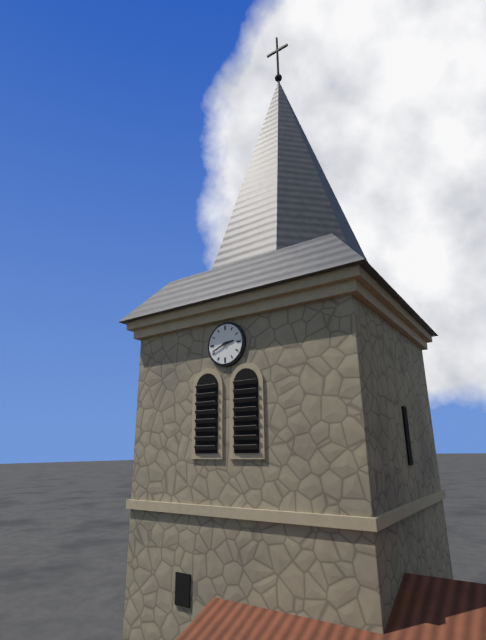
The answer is 2:41
